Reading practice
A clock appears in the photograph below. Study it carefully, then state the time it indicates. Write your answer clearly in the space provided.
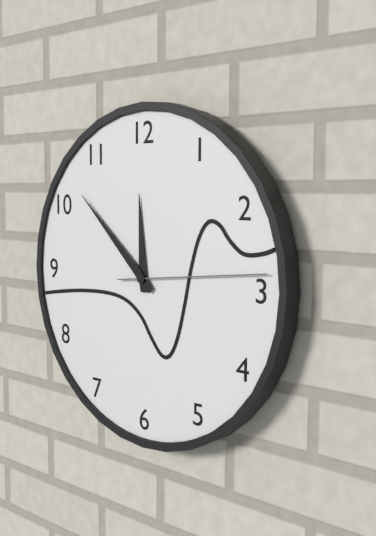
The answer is 11:52:14
